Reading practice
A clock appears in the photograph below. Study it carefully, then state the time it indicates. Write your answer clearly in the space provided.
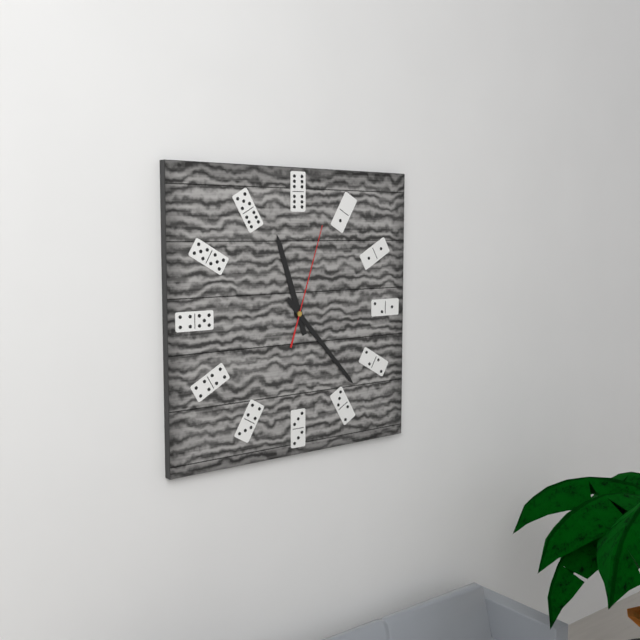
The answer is 11:23:03
